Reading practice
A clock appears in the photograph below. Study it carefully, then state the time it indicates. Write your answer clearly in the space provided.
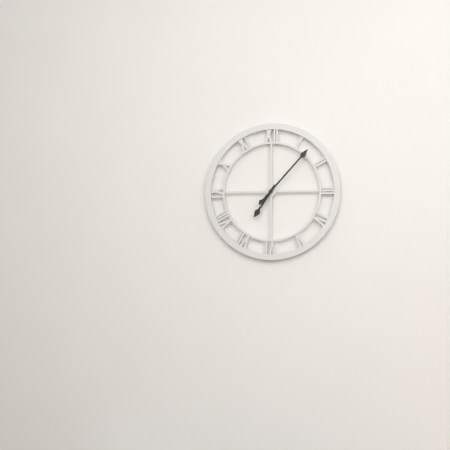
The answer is 7:07
